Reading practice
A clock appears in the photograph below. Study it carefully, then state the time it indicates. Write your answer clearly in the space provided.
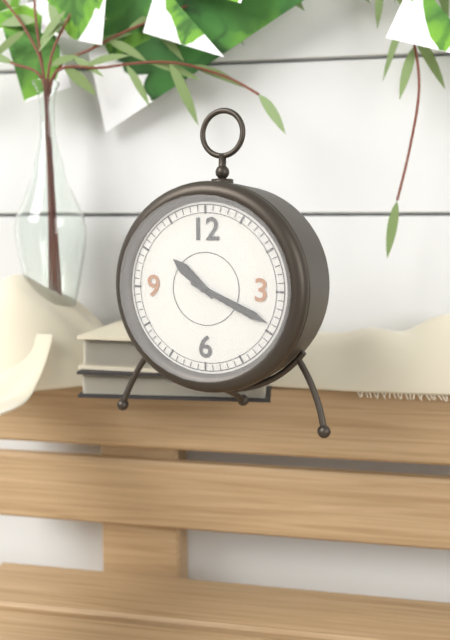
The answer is 10:19
